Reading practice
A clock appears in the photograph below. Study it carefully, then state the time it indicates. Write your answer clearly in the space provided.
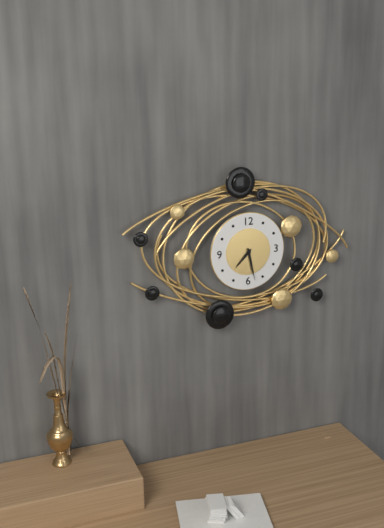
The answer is 7:28
